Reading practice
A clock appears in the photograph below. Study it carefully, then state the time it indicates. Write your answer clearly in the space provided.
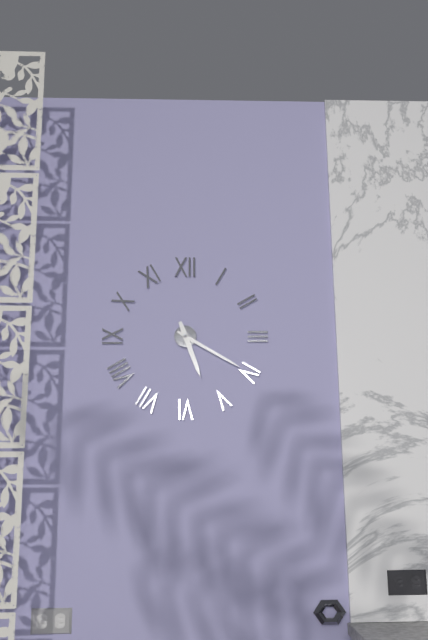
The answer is 5:20
